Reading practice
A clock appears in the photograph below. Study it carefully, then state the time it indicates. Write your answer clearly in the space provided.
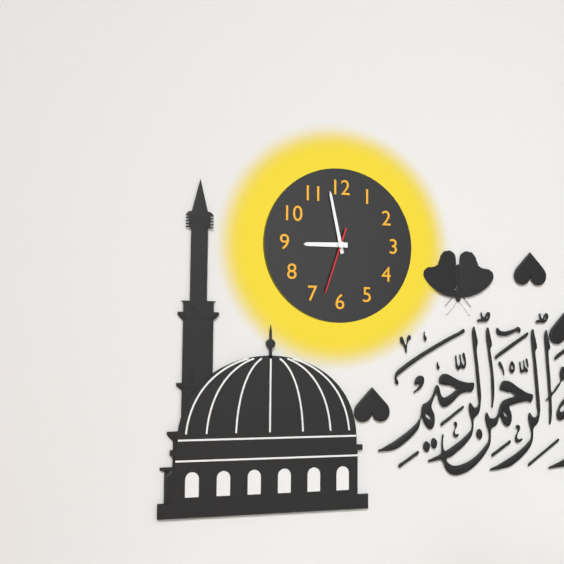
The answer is 8:58:33
